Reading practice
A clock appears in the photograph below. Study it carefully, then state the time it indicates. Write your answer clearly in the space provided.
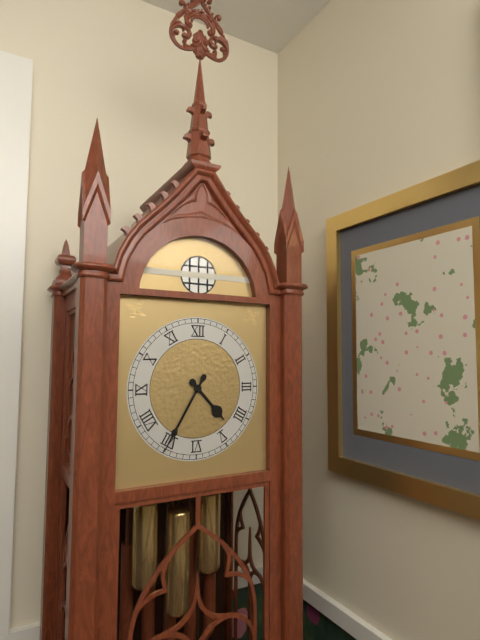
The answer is 4:35
